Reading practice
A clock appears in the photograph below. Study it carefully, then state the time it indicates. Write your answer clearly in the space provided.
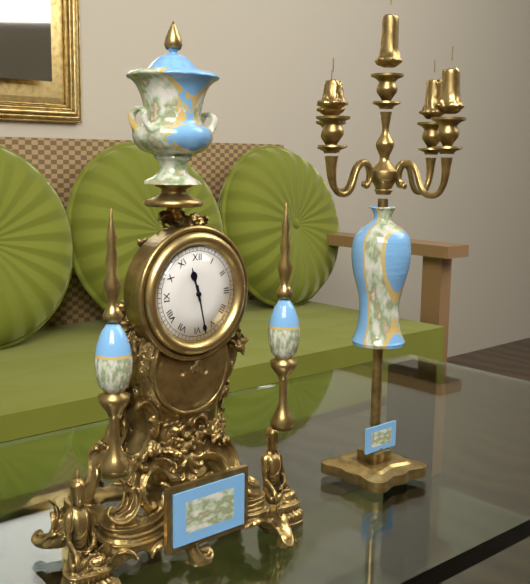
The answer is 11:28
